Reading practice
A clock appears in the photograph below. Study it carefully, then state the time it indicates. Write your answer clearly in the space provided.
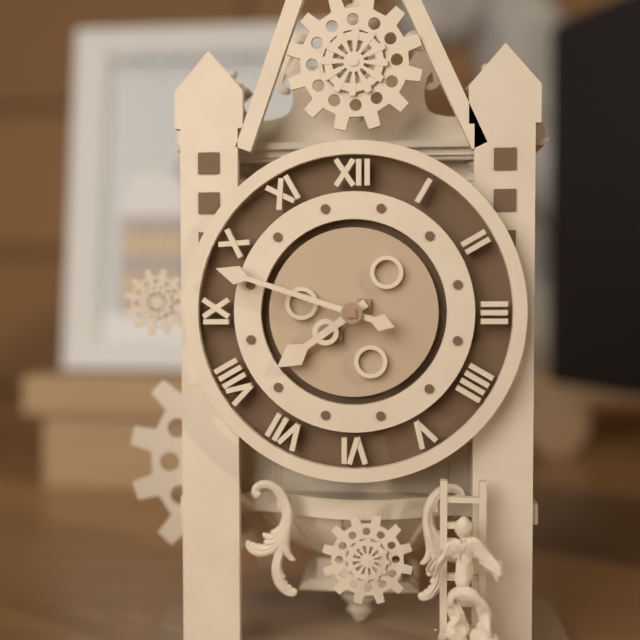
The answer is 7:48
